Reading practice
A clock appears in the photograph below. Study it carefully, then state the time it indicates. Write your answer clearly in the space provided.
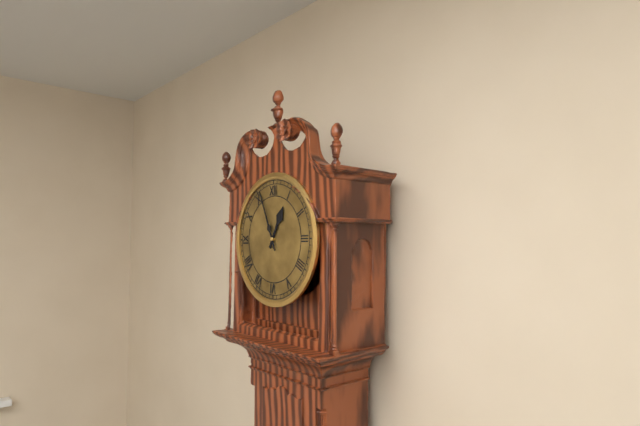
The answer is 12:56
